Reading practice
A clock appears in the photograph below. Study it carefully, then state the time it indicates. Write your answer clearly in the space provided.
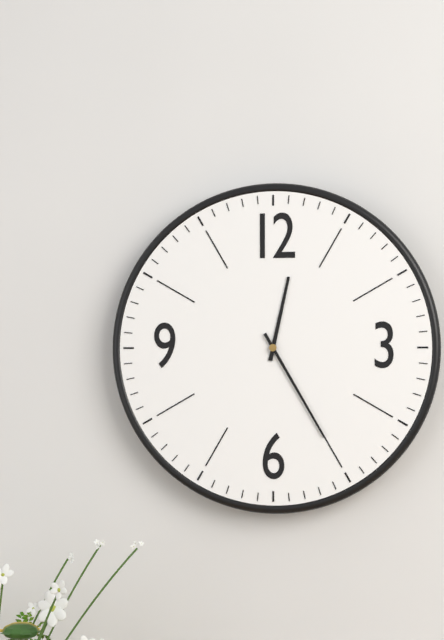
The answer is 12:25
